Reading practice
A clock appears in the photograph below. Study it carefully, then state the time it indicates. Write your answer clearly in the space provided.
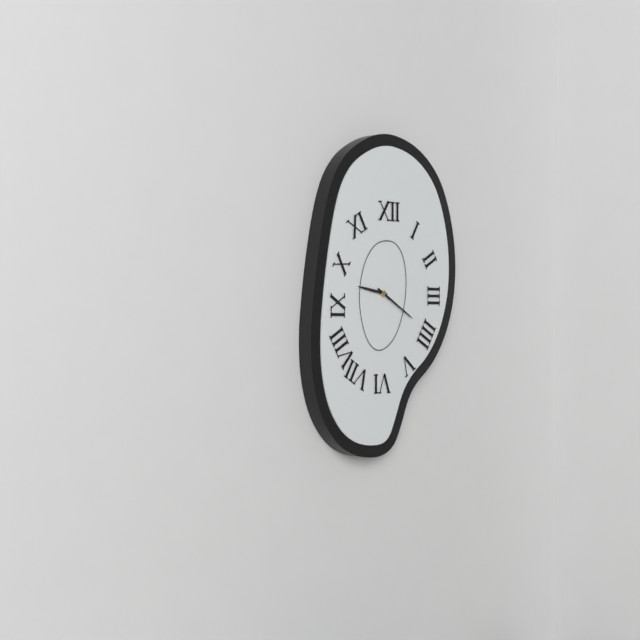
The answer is 9:20
